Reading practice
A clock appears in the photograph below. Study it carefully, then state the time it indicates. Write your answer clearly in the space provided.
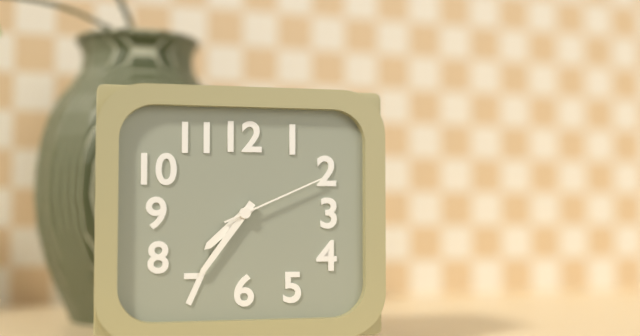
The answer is 7:36:11
